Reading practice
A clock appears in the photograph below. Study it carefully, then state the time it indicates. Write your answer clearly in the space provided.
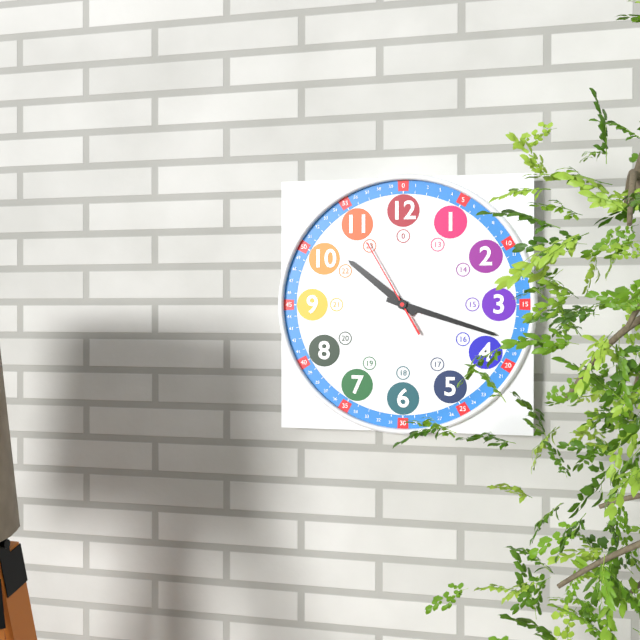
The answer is 10:18:55
